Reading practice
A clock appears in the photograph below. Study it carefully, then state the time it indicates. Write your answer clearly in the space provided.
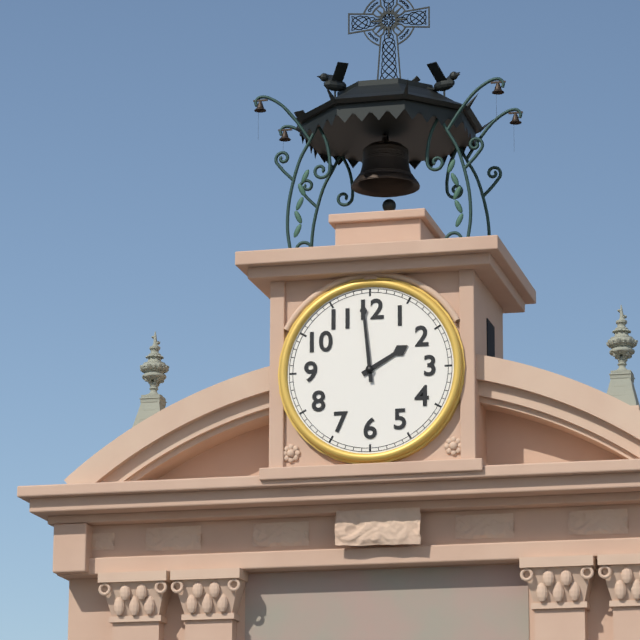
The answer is 1:59
